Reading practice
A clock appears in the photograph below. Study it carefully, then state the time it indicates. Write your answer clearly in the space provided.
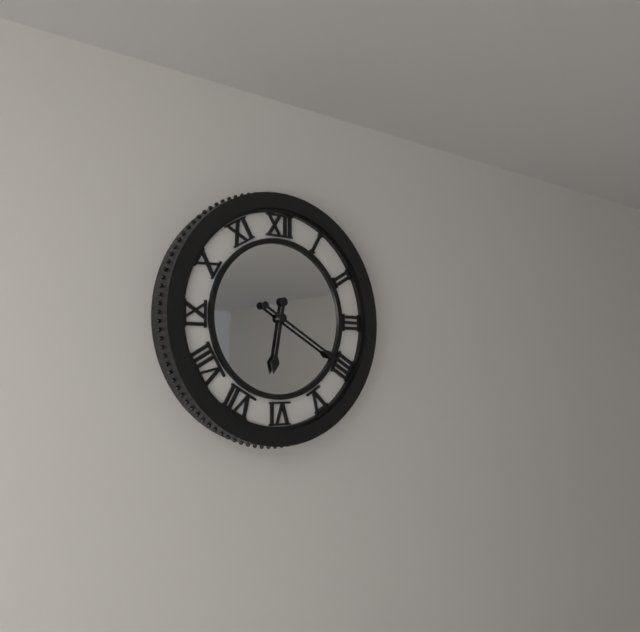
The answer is 6:20
